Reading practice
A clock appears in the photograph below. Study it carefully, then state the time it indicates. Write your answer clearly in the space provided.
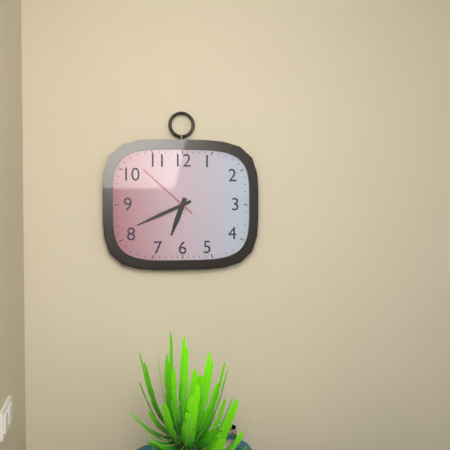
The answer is 6:41:52
